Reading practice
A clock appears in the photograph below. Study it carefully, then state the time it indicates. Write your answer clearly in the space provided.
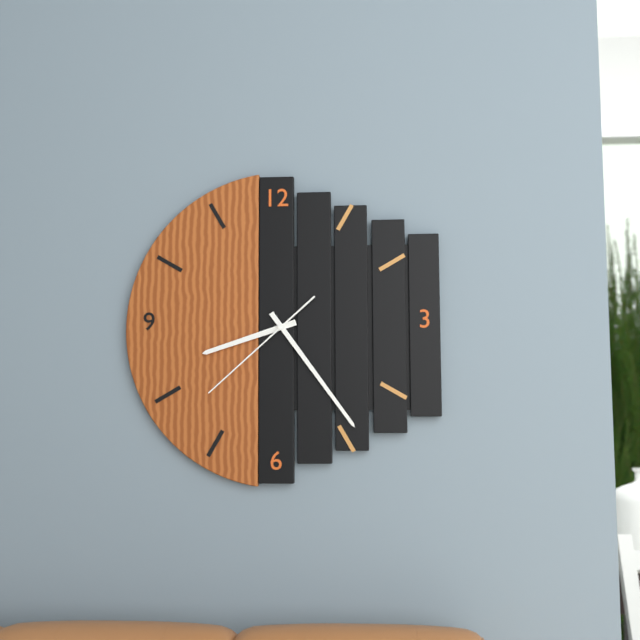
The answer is 8:24:38
